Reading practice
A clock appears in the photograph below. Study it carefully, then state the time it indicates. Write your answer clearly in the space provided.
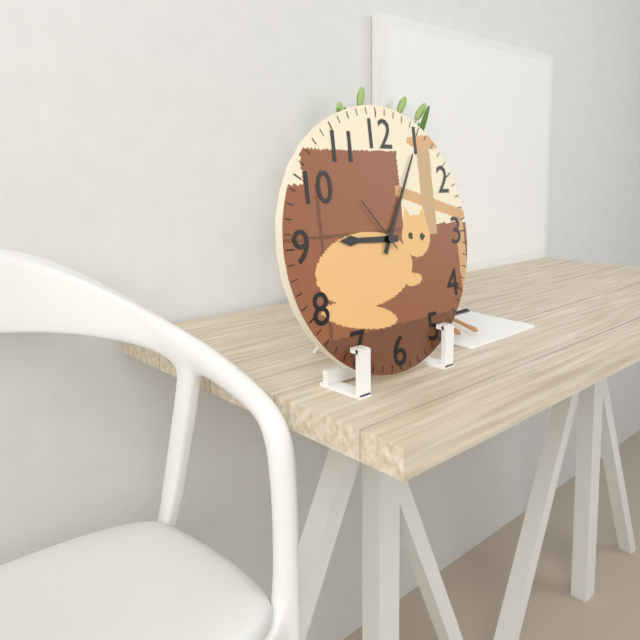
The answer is 9:05:53
